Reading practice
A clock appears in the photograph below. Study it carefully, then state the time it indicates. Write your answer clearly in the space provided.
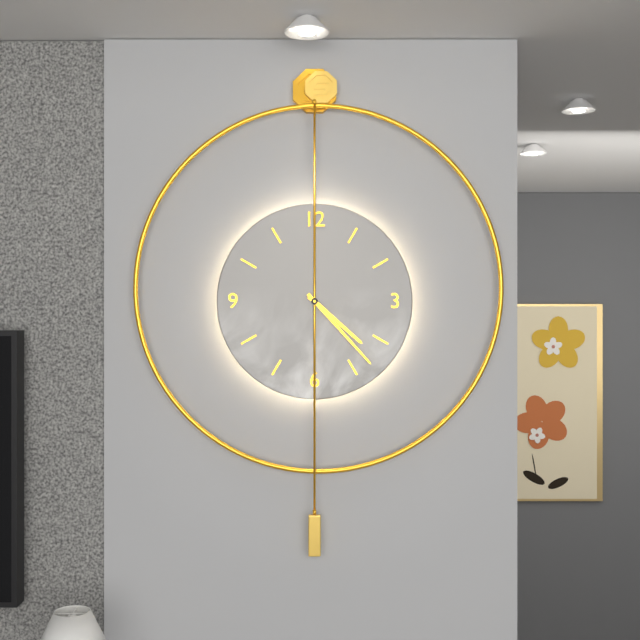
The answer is 4:23
